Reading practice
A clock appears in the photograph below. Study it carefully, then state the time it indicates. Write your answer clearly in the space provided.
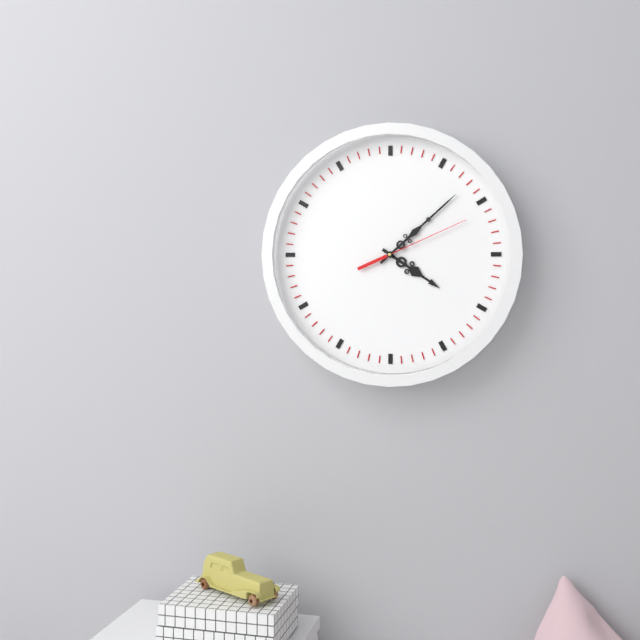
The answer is 4:08:11
